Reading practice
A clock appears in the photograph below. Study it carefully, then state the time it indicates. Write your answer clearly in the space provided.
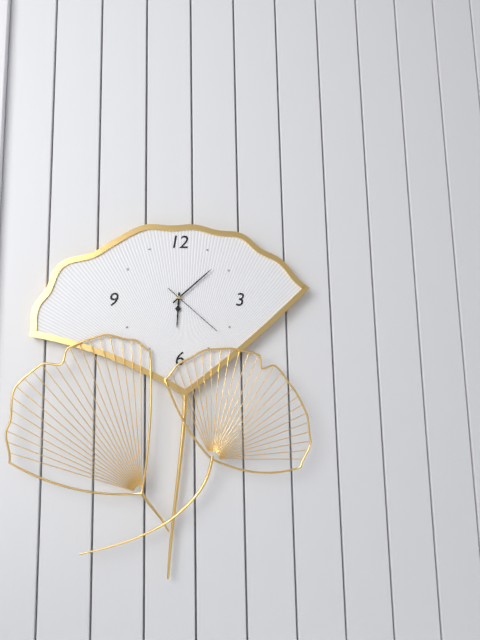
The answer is 6:08:22
